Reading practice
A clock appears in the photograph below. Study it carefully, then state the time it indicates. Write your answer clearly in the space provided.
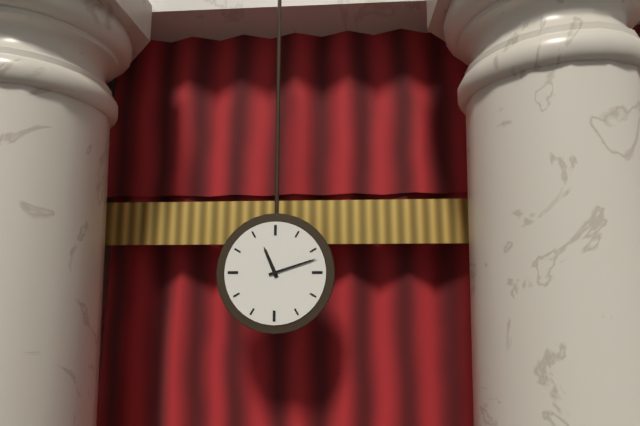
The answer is 11:12
